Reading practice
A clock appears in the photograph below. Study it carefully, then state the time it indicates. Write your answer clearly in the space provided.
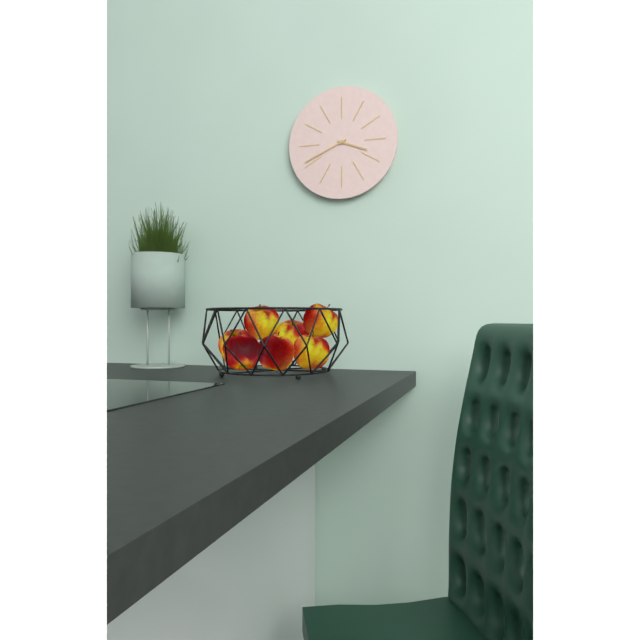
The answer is 3:41
